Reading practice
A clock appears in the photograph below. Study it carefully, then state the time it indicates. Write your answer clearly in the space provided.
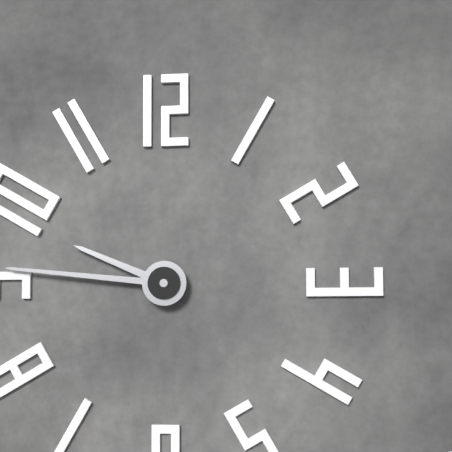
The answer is 9:46
